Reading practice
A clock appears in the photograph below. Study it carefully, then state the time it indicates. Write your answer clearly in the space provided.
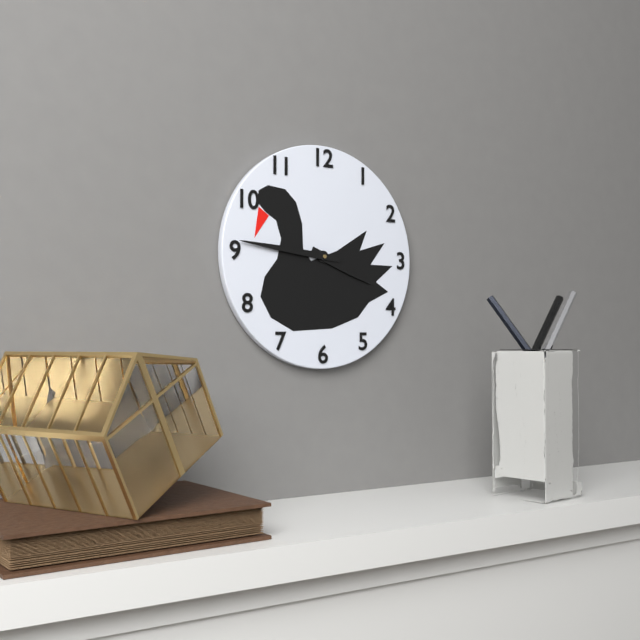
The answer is 3:46
